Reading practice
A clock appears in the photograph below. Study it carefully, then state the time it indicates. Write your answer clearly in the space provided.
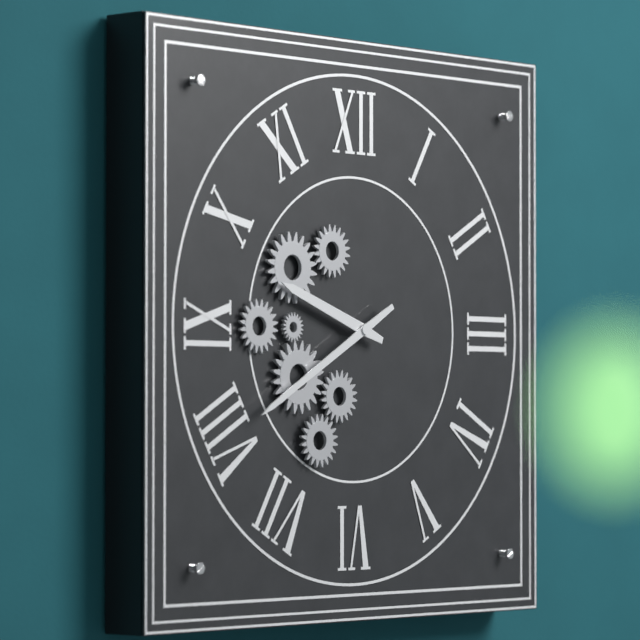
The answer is 9:40
